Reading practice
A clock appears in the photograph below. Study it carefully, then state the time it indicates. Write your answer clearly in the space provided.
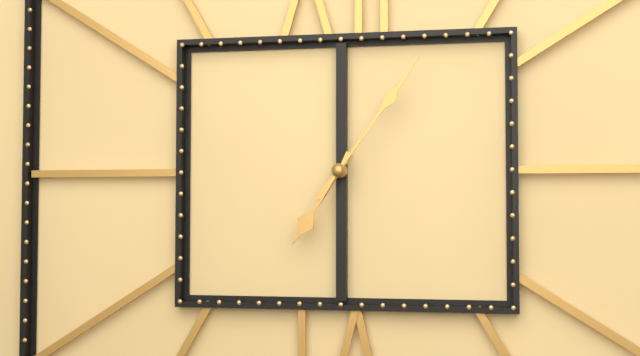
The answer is 7:06
